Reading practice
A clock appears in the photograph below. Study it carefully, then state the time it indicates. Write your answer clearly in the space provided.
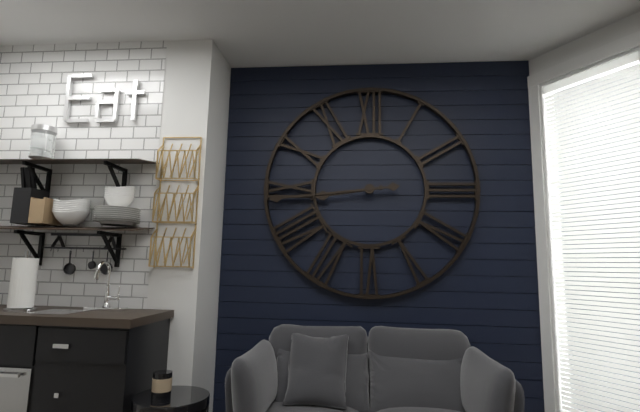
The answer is 8:44
